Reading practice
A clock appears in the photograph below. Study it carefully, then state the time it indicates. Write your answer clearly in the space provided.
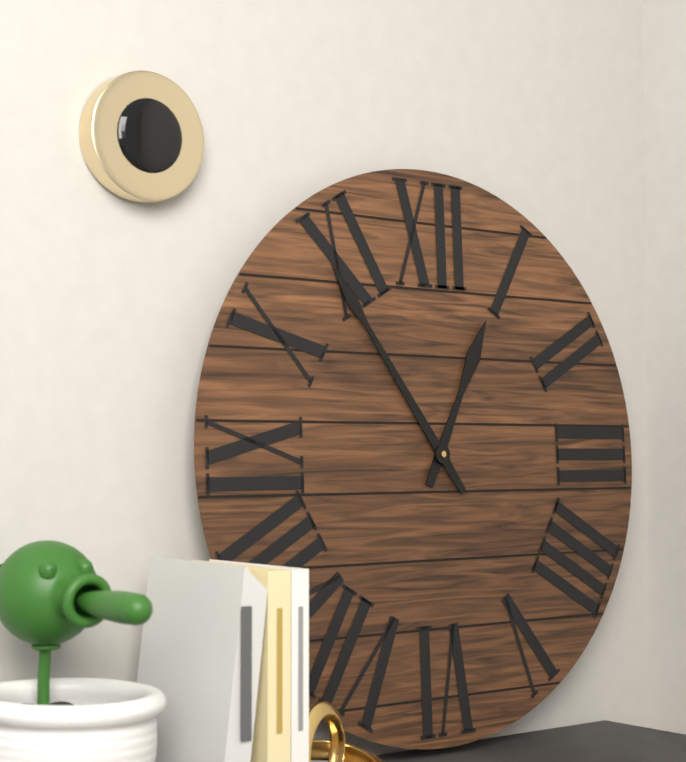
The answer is 12:54
